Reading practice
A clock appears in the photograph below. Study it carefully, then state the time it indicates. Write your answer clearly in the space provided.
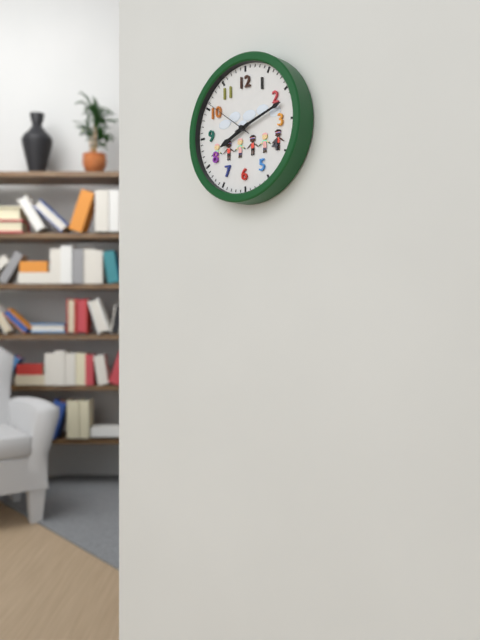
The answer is 8:12:51
